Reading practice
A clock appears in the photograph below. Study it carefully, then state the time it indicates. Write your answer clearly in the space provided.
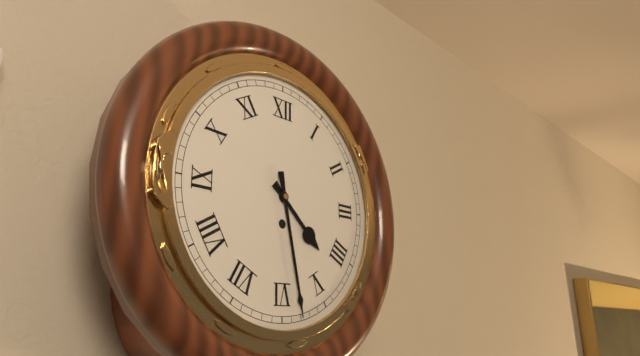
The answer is 4:28
